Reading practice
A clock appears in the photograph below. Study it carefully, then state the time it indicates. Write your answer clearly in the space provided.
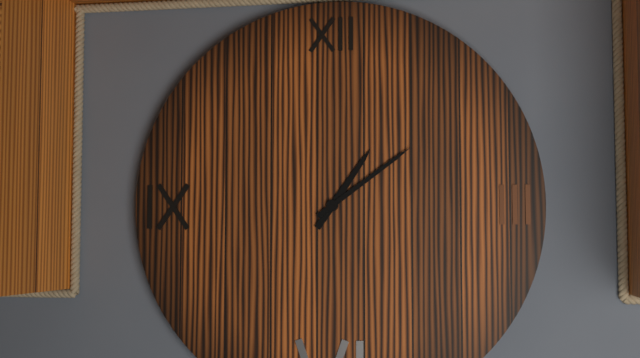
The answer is 1:09
